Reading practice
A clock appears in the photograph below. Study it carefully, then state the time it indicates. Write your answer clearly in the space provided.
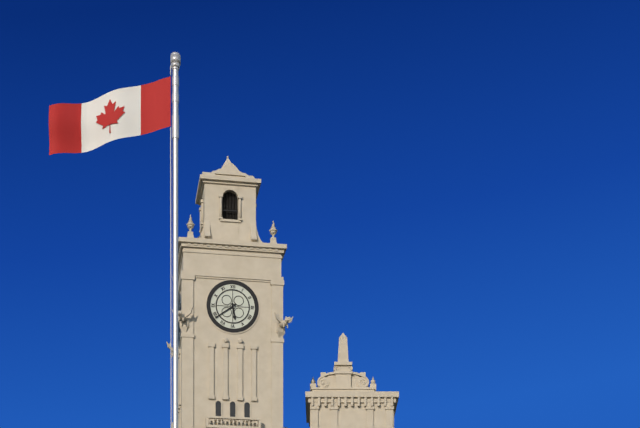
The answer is 5:39
